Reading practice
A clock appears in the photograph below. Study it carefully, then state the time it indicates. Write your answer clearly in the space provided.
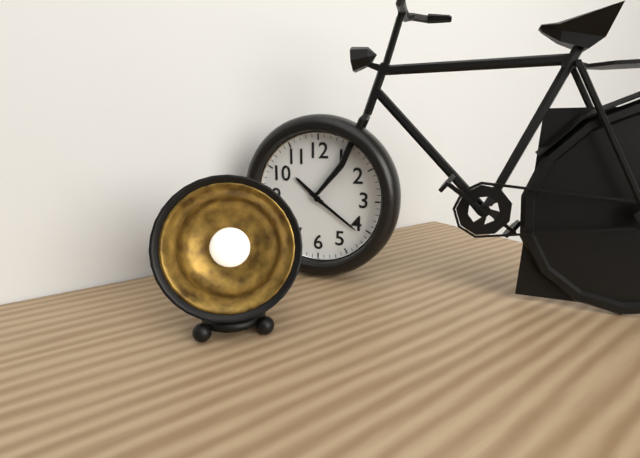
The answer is 10:21
